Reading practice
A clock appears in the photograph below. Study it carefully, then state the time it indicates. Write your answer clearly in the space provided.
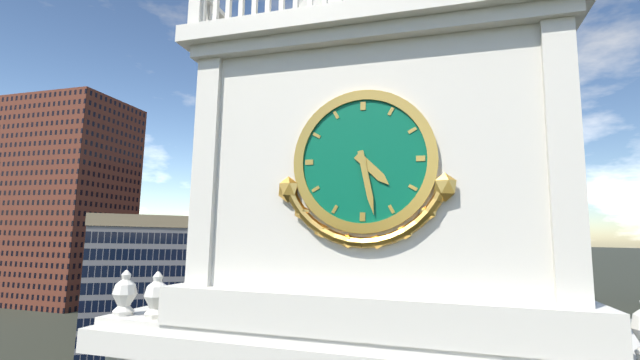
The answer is 4:28
